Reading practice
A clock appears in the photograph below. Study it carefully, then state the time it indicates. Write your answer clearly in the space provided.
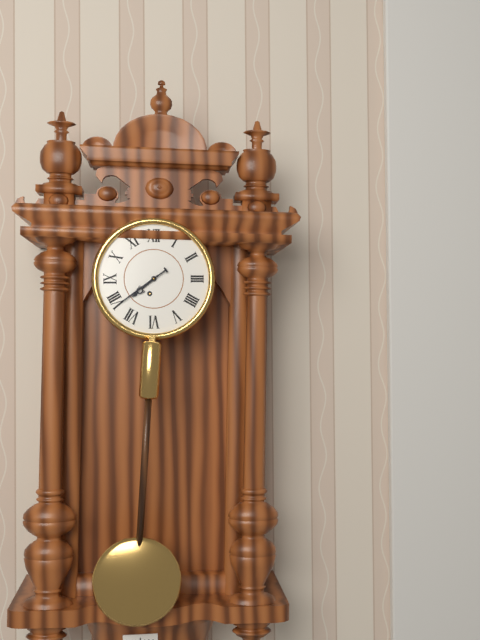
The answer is 7:39
